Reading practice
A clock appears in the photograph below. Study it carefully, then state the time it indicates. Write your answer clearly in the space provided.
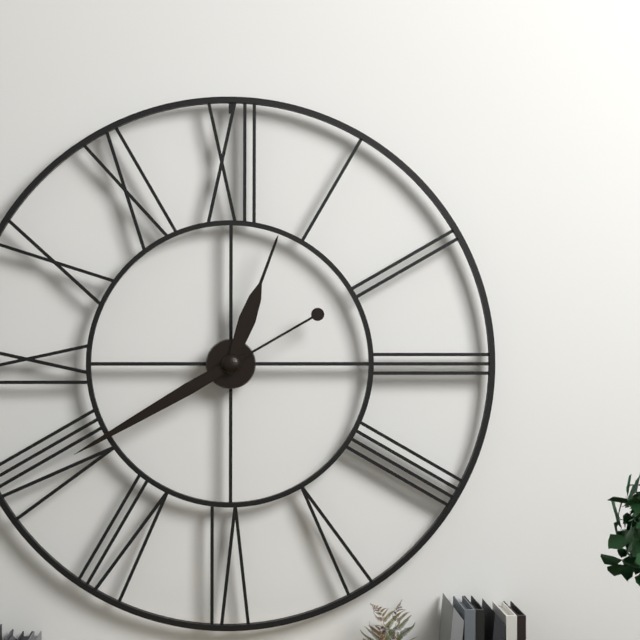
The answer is 12:40
